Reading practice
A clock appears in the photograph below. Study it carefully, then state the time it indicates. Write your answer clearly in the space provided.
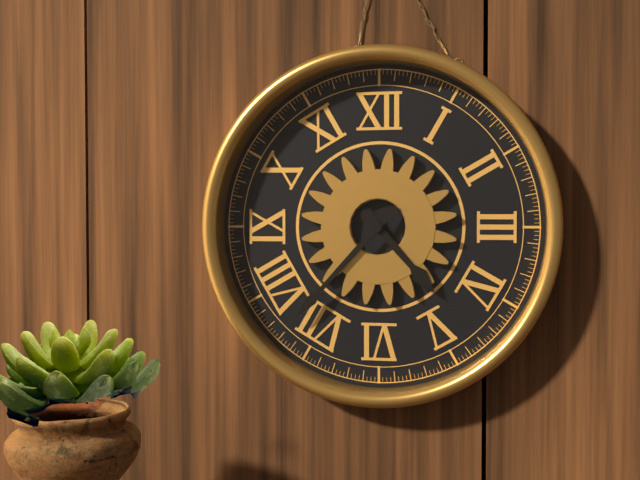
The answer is 4:37
